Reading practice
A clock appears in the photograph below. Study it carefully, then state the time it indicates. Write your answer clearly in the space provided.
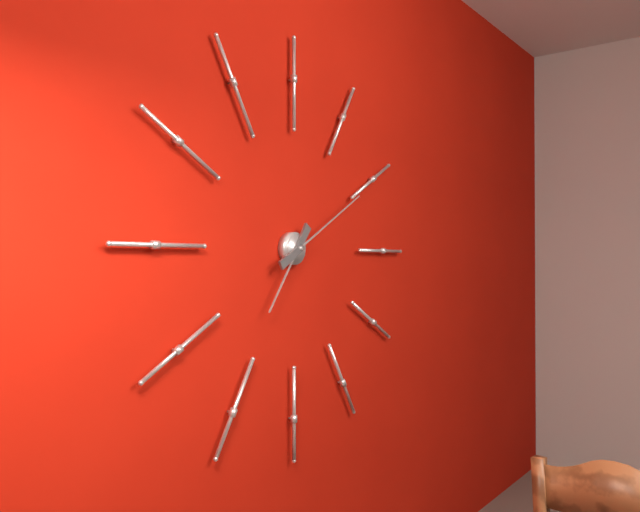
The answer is 7:10
